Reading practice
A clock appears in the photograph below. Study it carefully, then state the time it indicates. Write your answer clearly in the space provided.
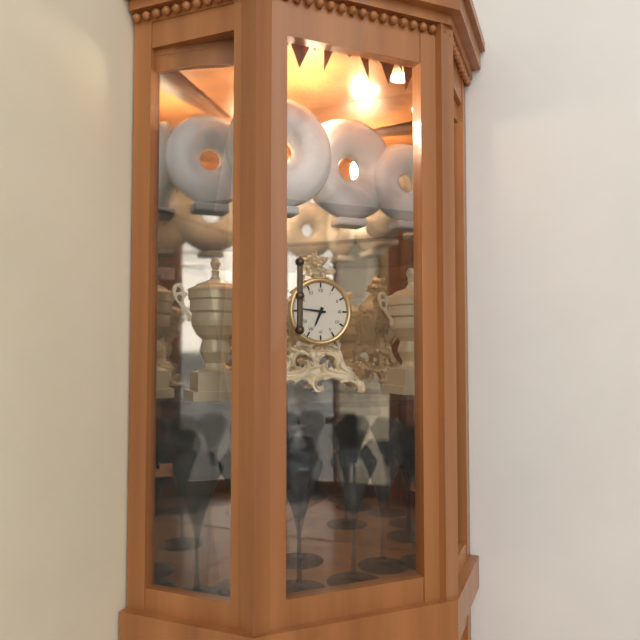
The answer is 6:46
